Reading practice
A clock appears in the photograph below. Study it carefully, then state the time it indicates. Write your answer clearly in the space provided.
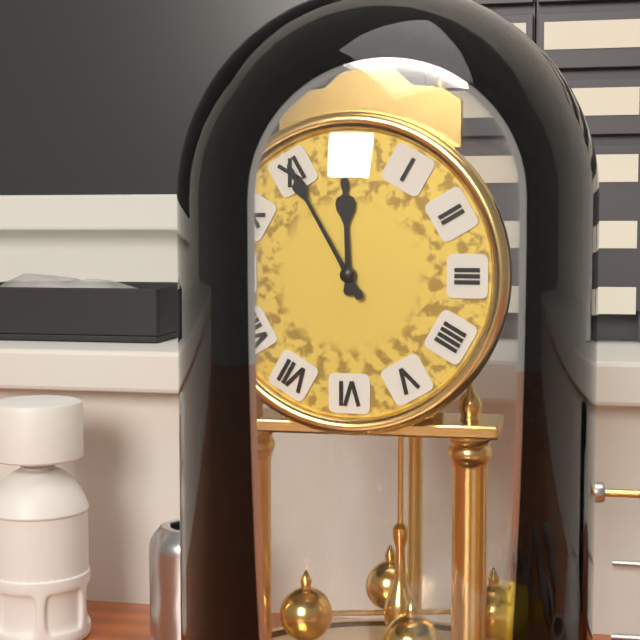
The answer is 11:55
